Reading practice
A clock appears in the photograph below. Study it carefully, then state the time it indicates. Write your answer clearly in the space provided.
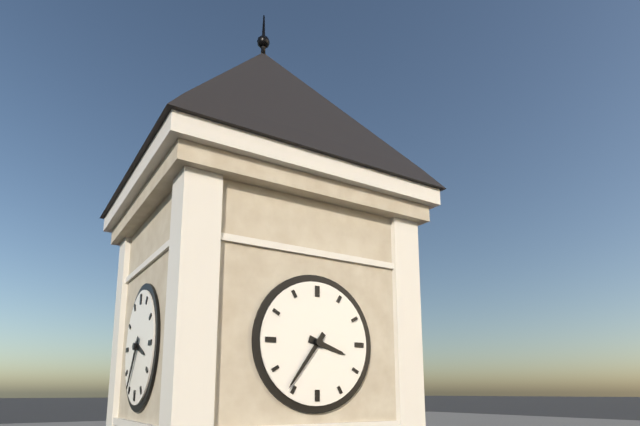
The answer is 3:36
